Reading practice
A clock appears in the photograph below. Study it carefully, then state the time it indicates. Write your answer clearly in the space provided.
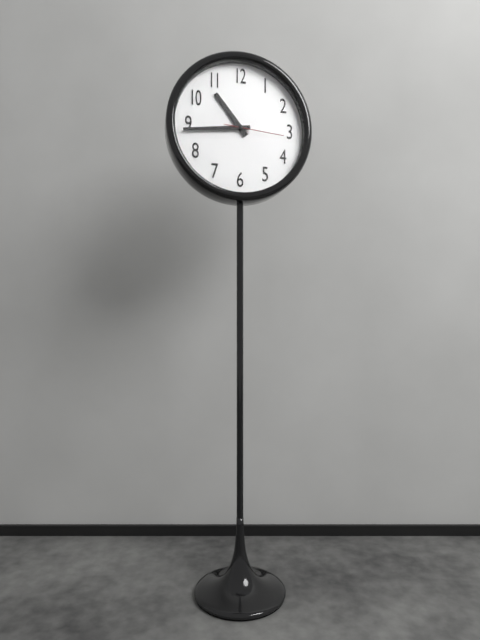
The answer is 10:44:16
